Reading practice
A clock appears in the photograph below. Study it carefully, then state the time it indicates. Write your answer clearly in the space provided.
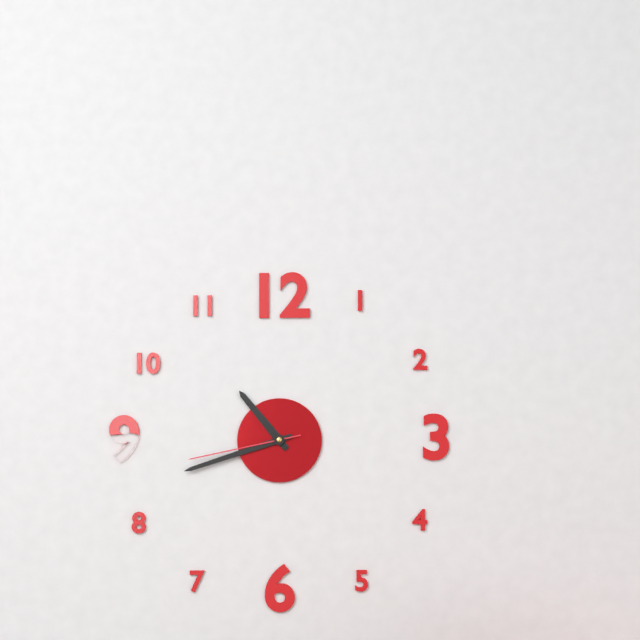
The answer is 10:42:43
